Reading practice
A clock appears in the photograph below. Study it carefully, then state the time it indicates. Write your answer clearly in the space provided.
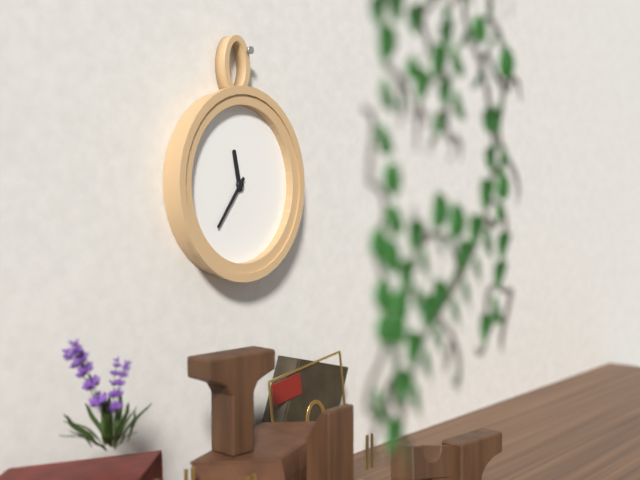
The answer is 11:36
